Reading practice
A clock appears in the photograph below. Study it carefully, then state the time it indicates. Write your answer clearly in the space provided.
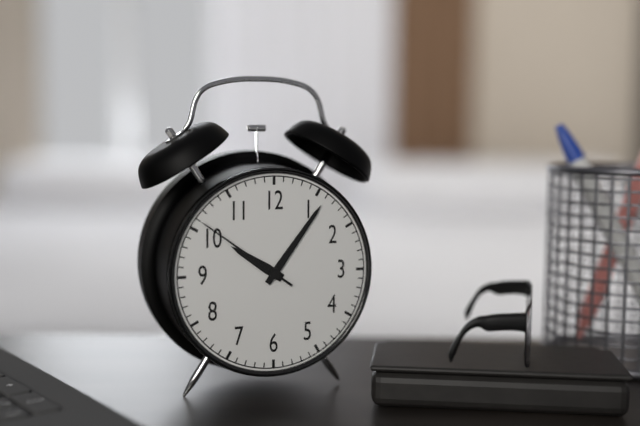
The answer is 10:06:51
